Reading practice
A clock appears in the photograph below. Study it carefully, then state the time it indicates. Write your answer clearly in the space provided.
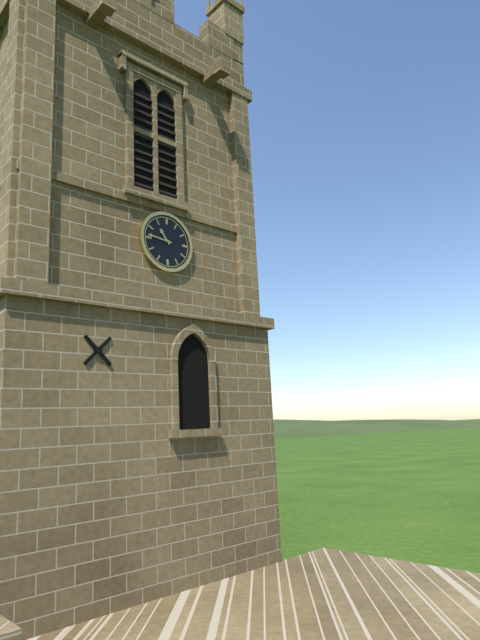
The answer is 10:46
